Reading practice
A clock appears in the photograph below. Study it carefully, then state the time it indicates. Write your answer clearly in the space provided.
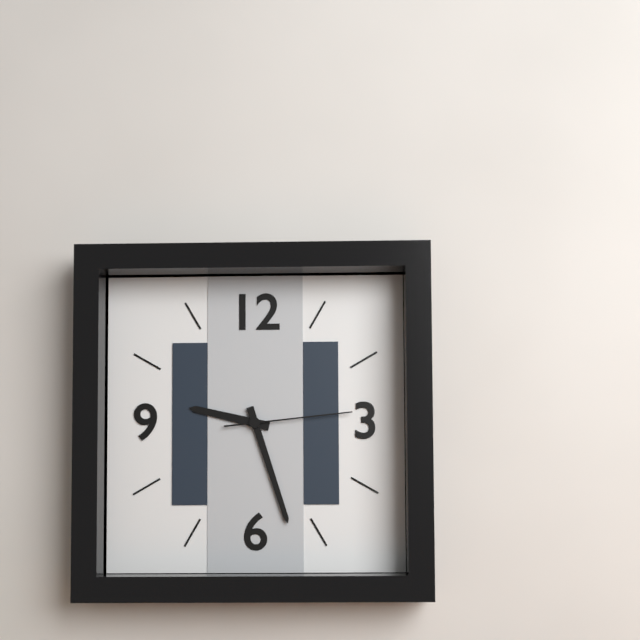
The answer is 9:27:14
